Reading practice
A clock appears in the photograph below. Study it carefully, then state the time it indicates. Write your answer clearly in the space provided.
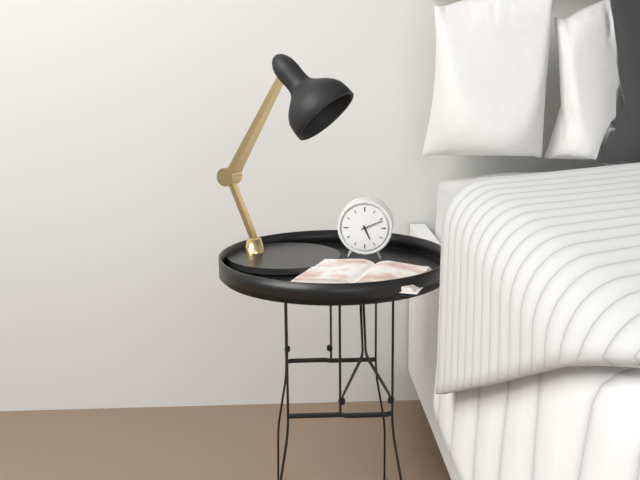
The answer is 5:11
